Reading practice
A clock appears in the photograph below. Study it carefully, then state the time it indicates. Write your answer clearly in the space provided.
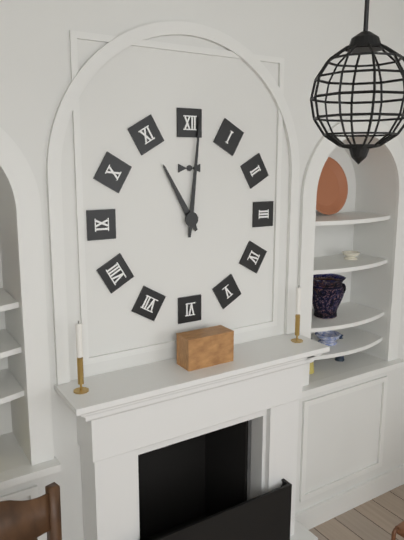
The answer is 11:01
